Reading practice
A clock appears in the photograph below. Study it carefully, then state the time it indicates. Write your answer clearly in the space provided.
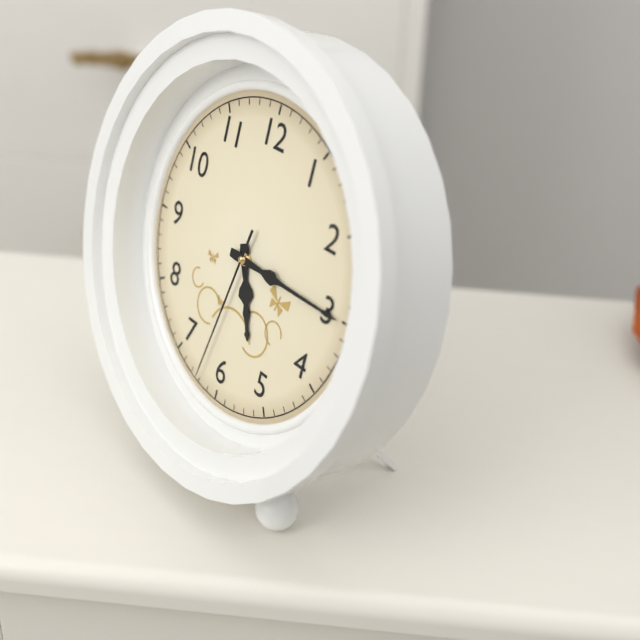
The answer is 5:15:32
